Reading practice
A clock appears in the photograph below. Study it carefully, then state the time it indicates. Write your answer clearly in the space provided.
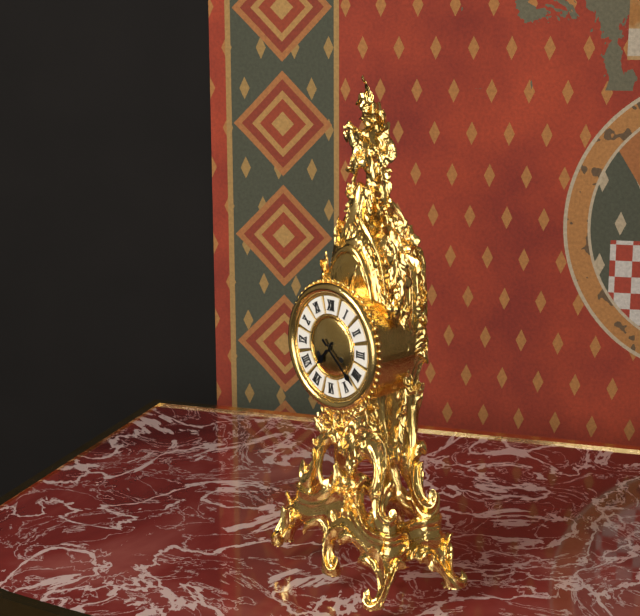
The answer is 7:22
